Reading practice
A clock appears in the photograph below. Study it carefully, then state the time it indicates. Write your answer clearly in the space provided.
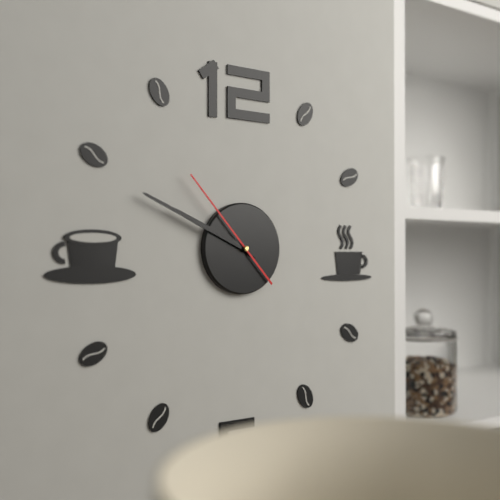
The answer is 9:49:53
